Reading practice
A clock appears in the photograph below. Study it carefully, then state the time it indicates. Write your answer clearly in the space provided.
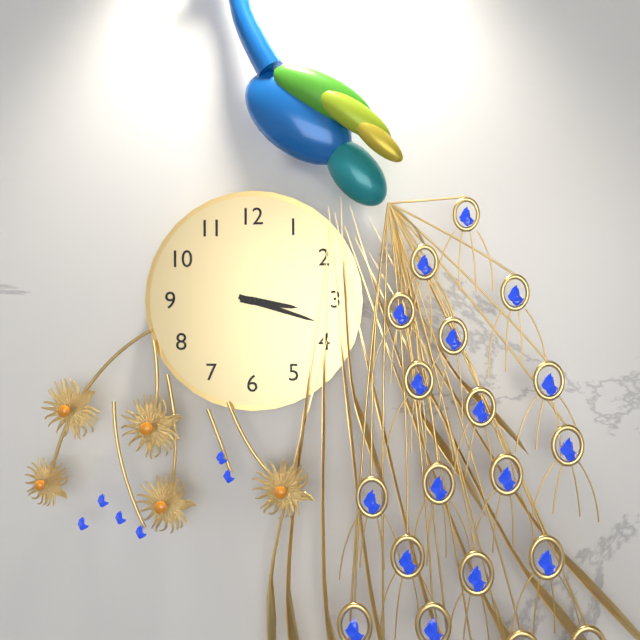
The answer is 3:18
